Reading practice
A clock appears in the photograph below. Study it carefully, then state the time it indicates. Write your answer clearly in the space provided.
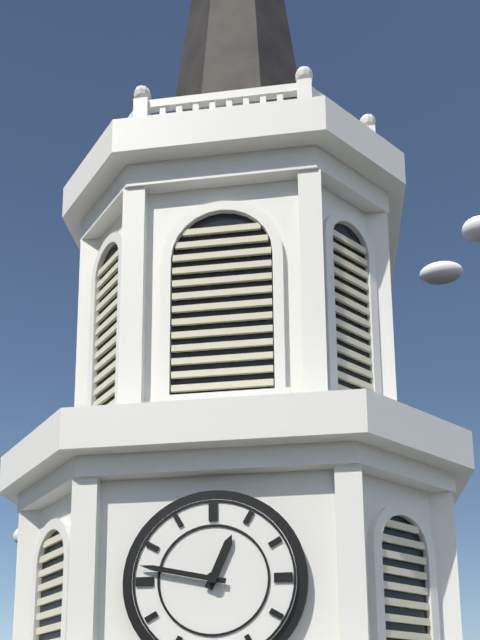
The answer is 12:47
